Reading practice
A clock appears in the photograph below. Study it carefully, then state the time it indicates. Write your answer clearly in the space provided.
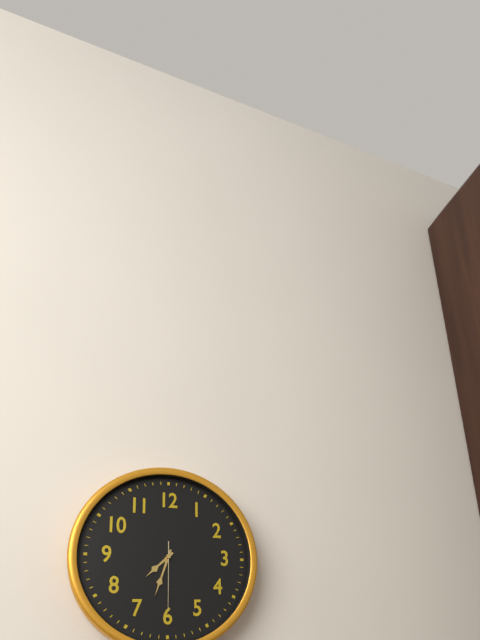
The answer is 7:33:30
